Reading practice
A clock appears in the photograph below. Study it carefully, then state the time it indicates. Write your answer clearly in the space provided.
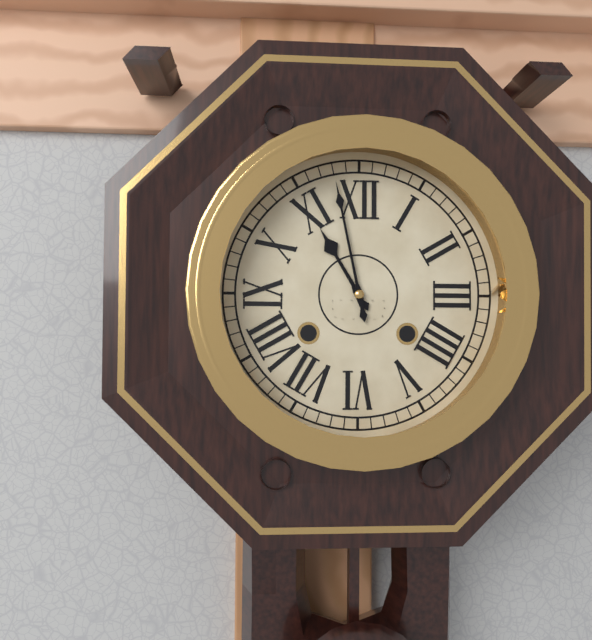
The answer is 10:58
